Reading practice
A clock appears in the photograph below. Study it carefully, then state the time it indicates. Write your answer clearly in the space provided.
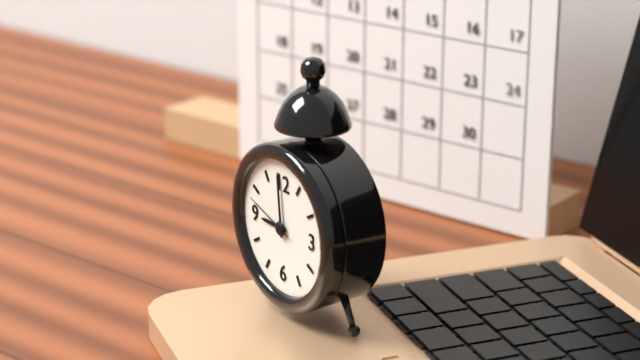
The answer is 8:59:48
